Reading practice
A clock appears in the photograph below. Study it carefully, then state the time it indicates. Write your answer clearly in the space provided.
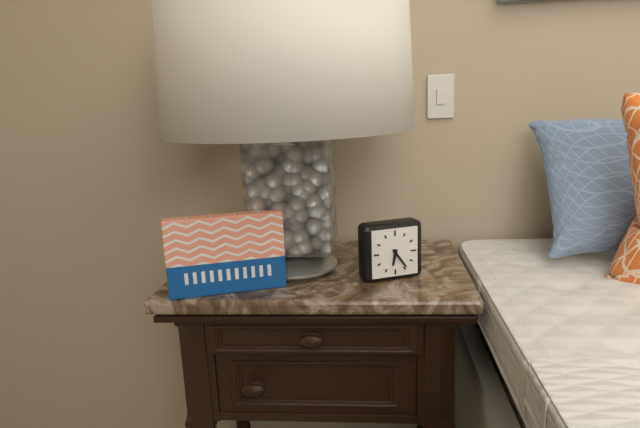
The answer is 6:24
